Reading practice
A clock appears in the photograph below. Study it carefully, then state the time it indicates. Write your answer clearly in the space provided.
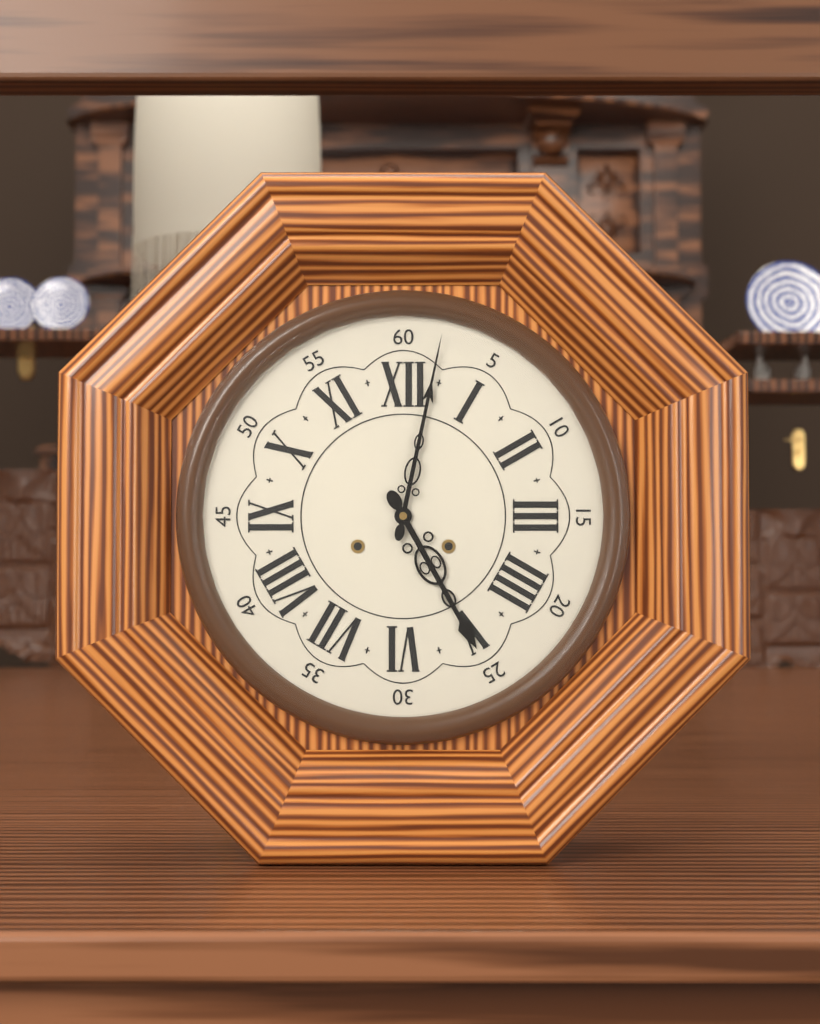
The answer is 5:02
